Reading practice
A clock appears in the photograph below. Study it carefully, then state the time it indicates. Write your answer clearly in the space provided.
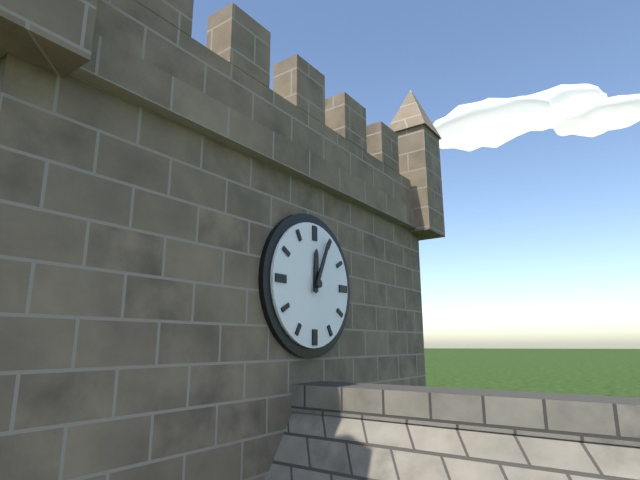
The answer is 12:04
